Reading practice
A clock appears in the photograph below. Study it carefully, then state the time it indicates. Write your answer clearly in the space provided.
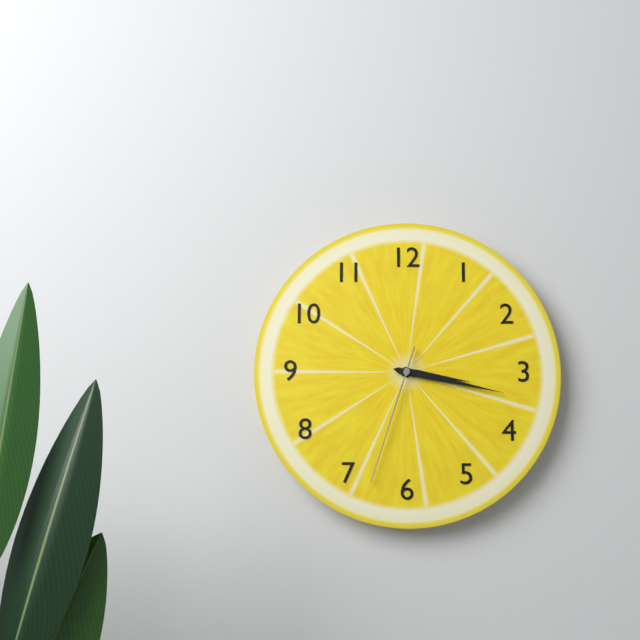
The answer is 3:17:33
